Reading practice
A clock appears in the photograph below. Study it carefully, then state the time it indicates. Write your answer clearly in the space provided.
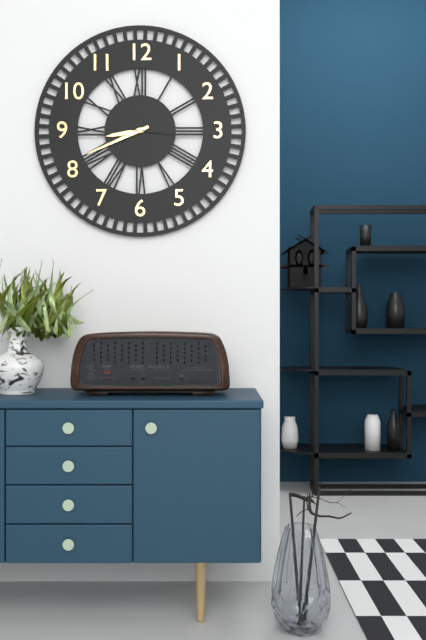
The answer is 8:41:16
